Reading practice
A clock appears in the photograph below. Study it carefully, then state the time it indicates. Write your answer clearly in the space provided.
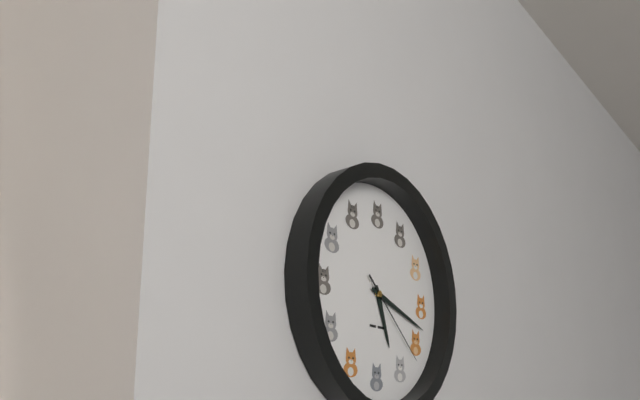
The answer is 5:18:22
